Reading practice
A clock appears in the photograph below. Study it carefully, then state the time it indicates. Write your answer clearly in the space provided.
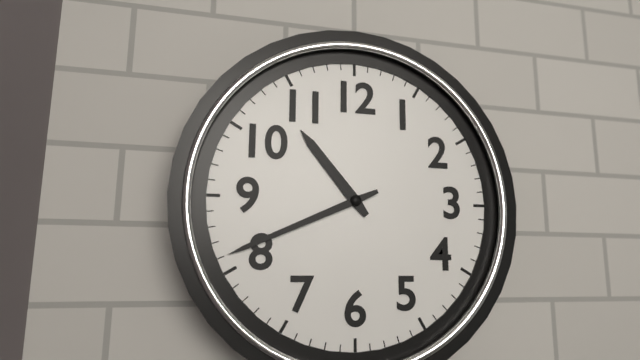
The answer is 10:41
